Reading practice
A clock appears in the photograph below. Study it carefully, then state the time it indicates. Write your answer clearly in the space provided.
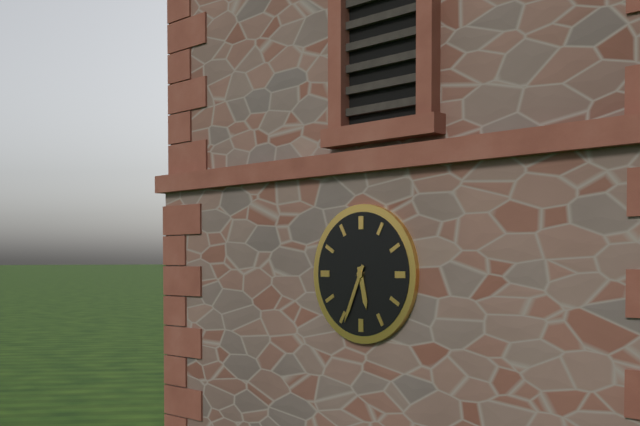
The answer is 5:34
